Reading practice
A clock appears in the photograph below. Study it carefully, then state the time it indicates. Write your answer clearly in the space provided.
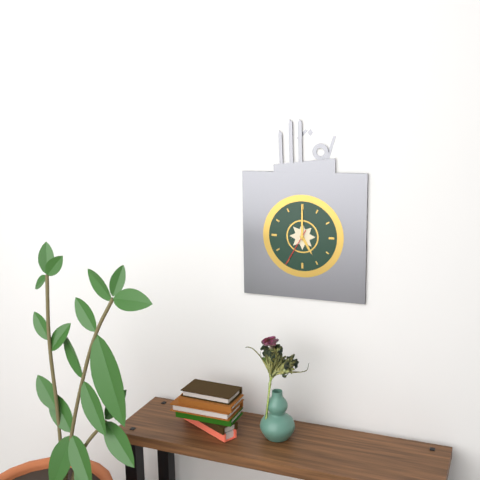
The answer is 5:00
